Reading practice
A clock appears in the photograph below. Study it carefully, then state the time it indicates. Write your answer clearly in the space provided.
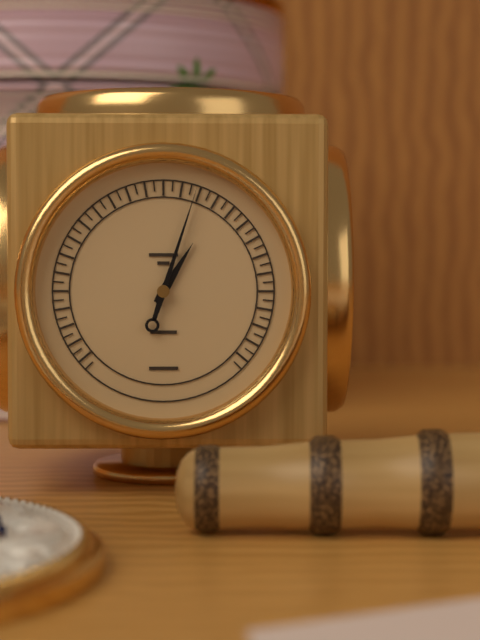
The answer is 1:03
